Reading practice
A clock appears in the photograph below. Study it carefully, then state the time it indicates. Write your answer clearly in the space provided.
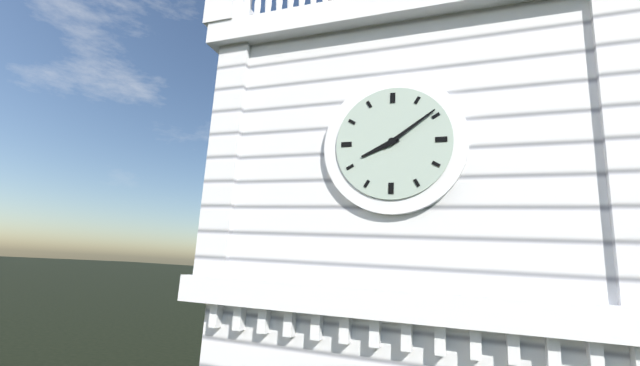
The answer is 8:09
